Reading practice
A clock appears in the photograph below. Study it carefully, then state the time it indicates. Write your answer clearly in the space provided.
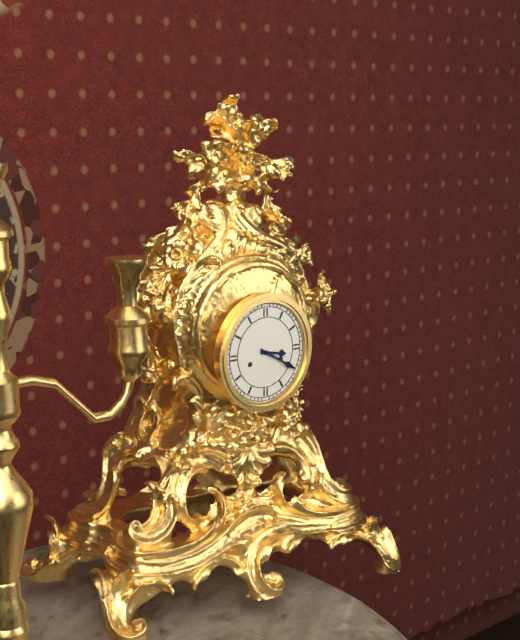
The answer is 3:20
